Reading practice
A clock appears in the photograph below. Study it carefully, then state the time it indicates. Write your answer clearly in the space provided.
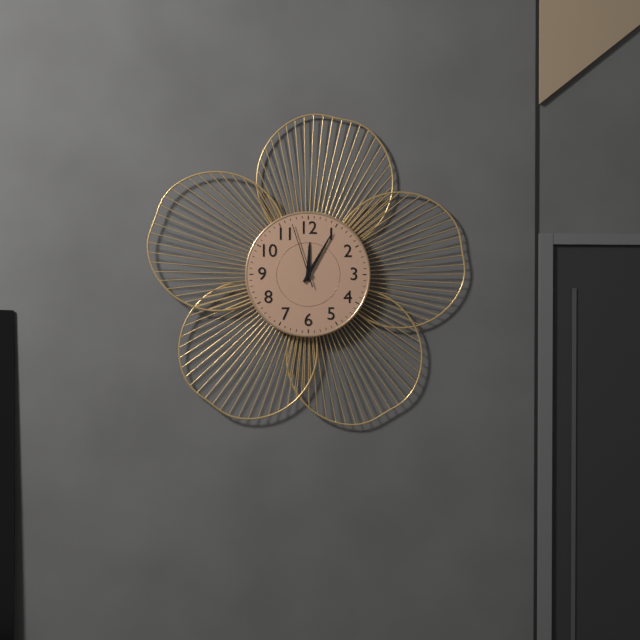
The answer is 12:05:57
